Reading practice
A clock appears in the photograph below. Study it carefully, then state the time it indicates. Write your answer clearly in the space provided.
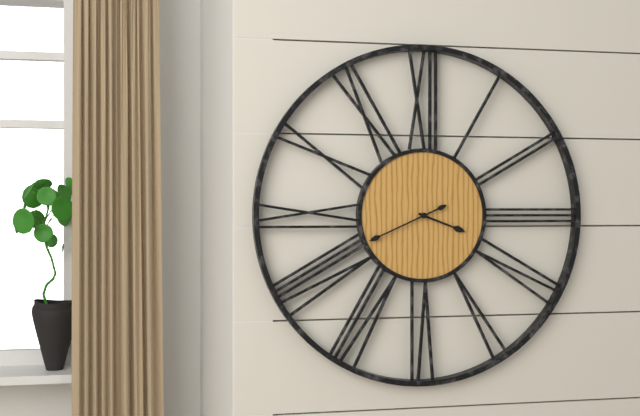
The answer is 3:41
